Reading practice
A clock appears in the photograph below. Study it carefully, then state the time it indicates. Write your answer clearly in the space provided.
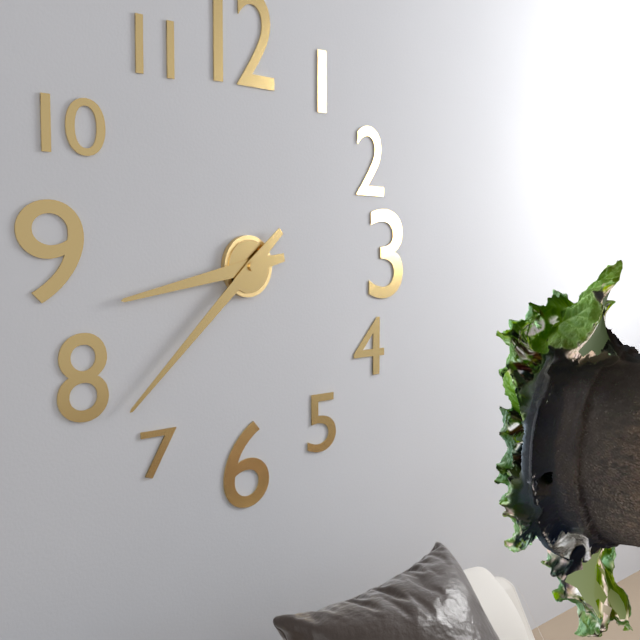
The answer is 8:38
